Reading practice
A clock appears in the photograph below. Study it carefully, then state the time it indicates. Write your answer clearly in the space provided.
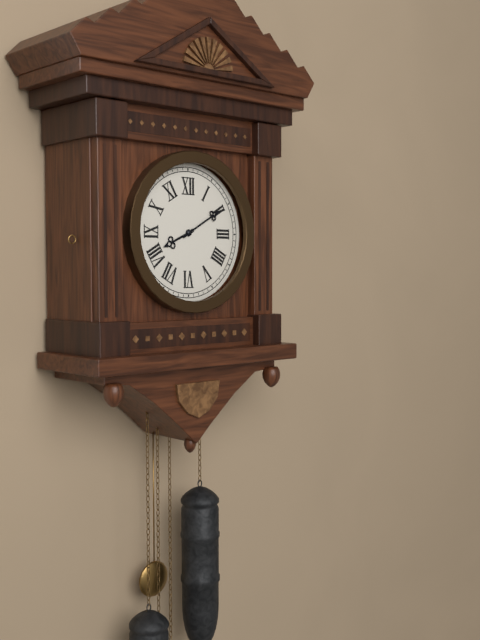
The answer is 8:10
